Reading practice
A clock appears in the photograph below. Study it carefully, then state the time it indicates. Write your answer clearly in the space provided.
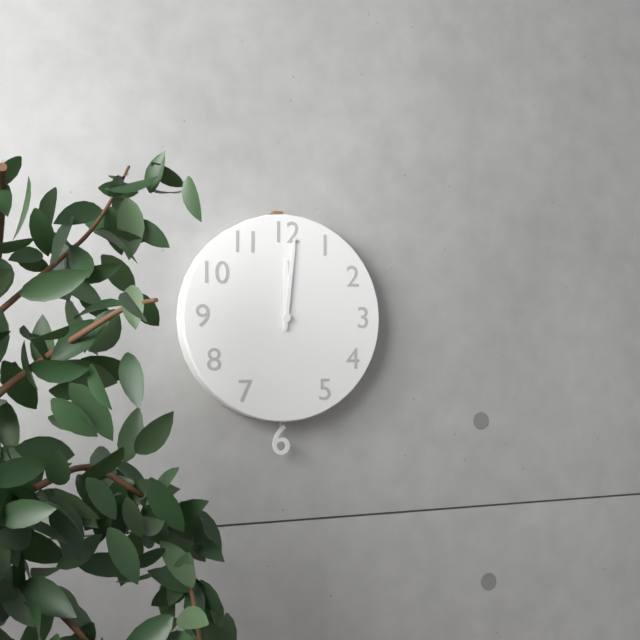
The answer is 12:01
